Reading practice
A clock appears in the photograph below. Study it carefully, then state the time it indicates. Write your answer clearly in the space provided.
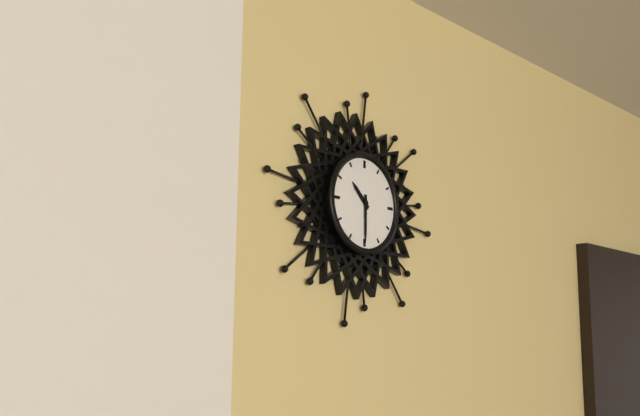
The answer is 10:30
